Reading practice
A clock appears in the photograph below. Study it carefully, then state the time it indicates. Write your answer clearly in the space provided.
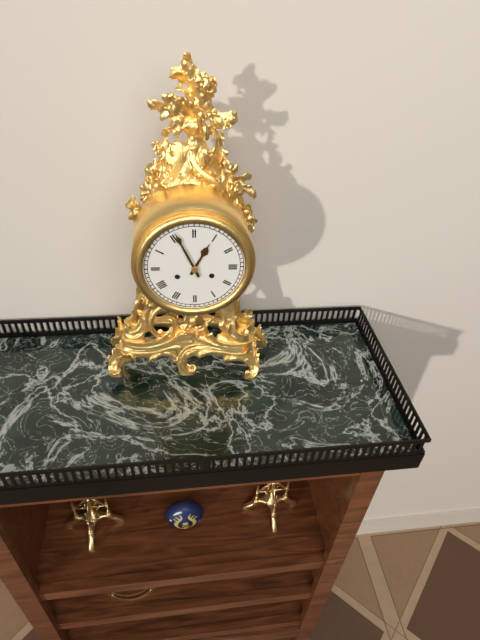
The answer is 12:56
